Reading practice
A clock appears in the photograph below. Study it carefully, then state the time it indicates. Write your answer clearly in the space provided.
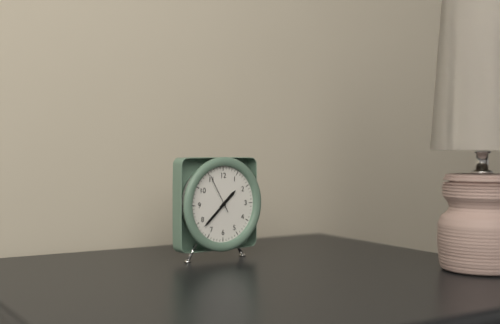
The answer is 1:38
